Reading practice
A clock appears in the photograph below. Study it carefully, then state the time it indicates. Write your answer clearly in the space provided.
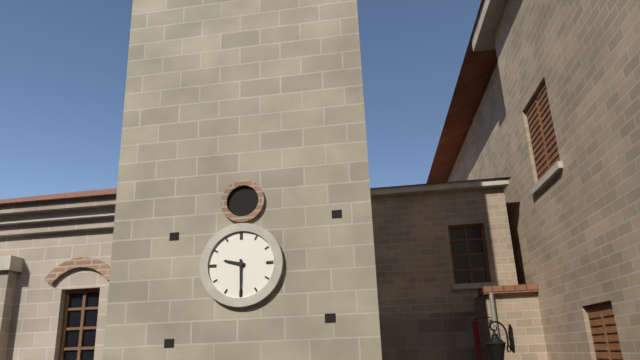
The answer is 9:30
